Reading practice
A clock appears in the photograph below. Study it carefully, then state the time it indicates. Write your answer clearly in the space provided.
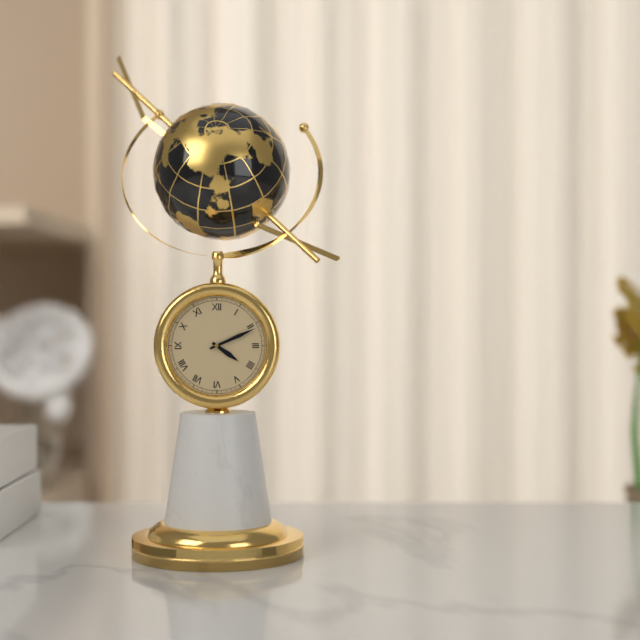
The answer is 4:11
